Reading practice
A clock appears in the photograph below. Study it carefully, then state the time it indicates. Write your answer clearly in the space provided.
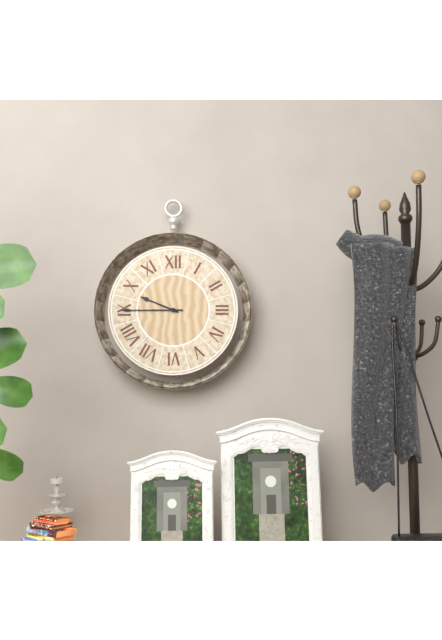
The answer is 9:45
